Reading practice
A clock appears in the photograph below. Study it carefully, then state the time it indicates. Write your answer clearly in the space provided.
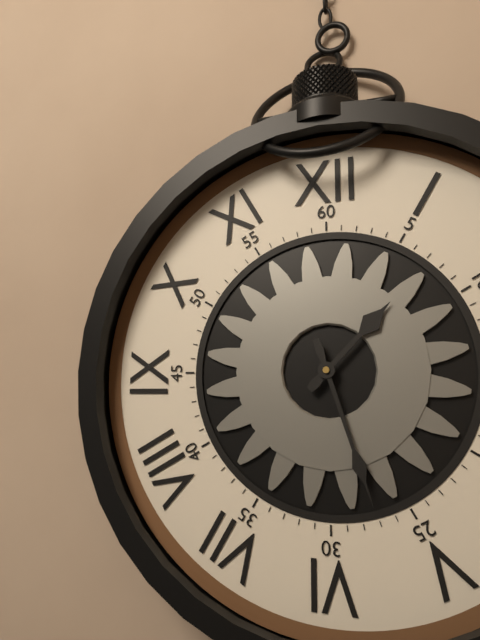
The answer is 1:27
